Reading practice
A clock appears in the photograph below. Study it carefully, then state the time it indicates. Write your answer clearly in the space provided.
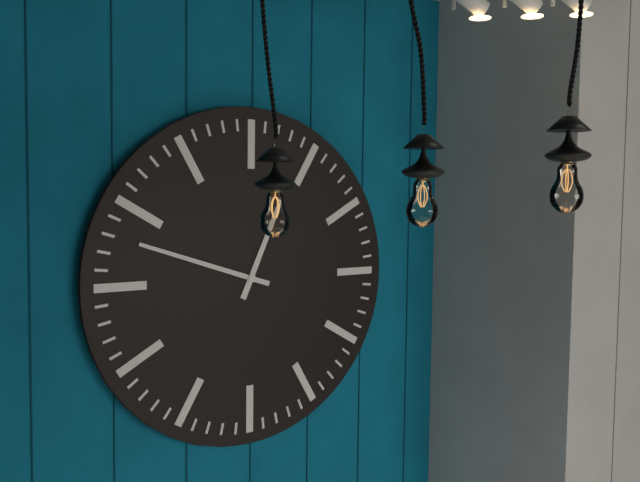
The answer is 12:48
